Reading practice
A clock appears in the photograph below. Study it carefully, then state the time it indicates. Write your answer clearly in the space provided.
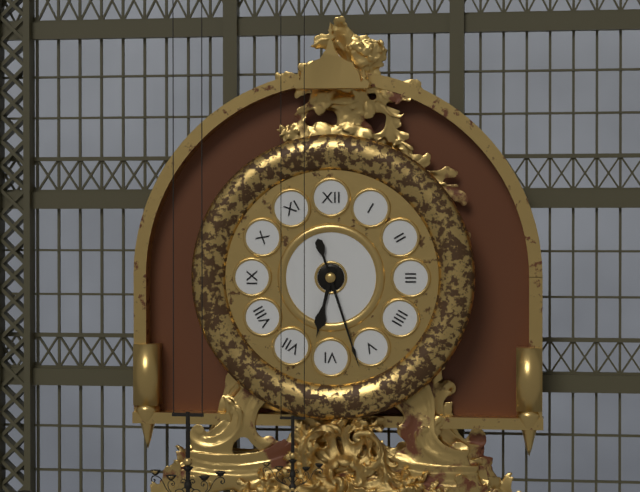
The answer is 6:27
